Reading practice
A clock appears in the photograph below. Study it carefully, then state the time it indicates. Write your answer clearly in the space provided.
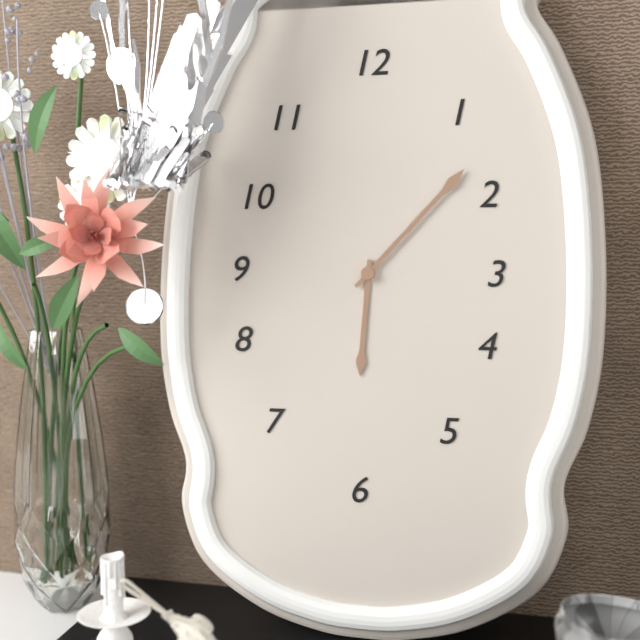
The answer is 6:07
